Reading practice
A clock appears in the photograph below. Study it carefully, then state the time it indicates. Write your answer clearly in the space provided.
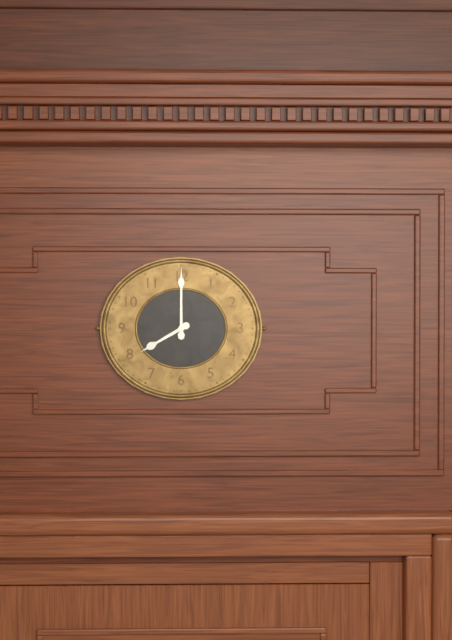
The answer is 8:00
